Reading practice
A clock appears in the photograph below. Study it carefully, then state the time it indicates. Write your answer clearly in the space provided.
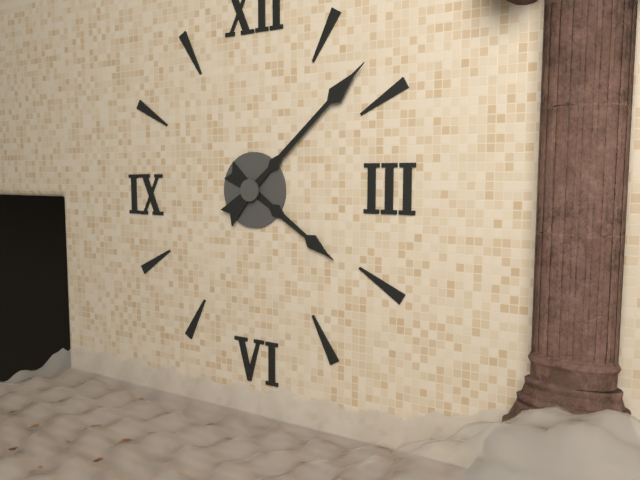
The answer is 4:08
